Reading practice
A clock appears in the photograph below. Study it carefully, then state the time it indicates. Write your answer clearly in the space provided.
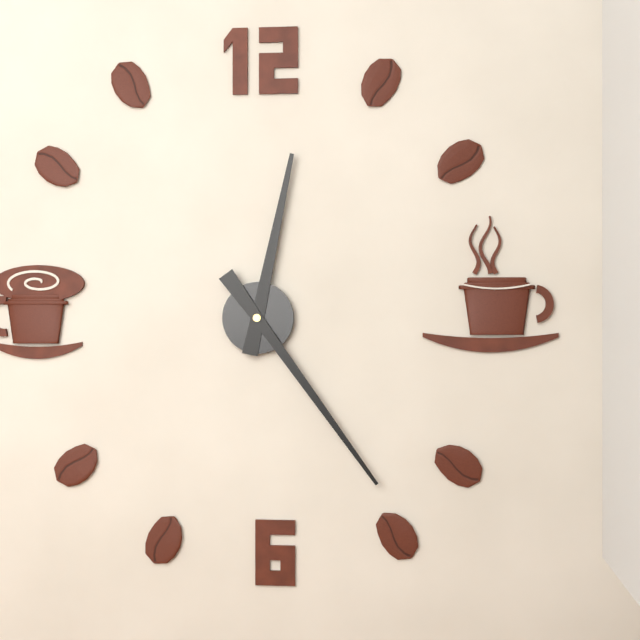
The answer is 12:24
